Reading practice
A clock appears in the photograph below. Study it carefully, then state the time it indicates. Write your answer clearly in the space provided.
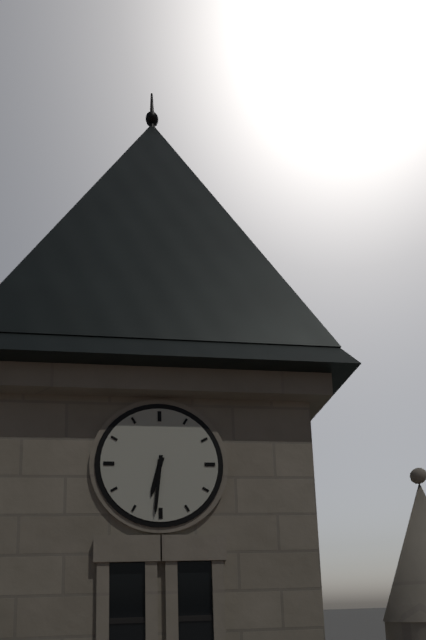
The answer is 6:31
